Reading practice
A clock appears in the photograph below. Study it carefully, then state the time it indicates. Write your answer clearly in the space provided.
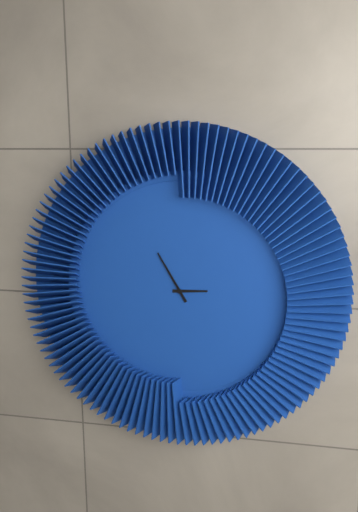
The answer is 2:55
